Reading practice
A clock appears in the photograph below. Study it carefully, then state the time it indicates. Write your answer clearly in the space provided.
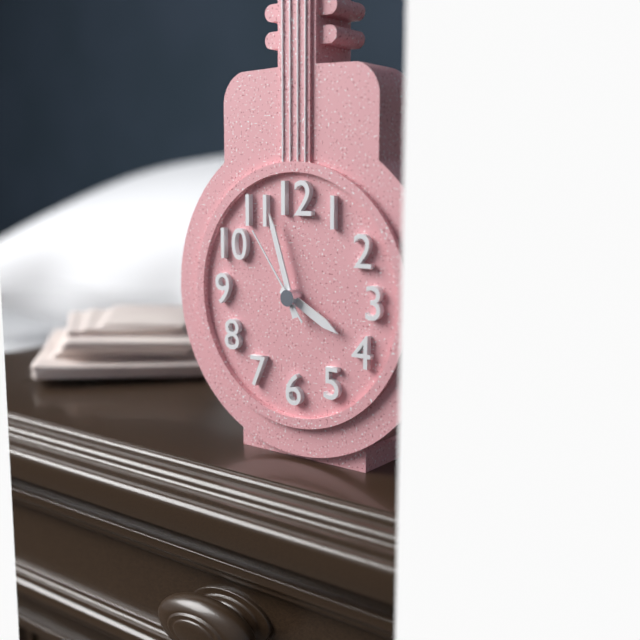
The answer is 3:57:54
